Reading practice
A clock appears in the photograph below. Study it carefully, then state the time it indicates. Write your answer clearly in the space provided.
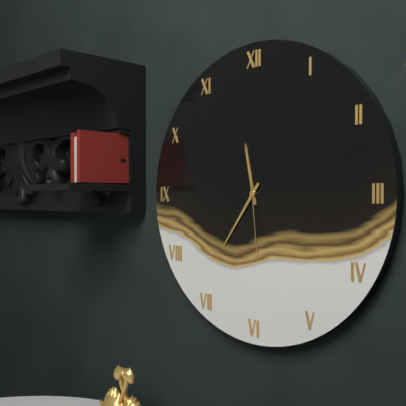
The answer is 11:36:29
